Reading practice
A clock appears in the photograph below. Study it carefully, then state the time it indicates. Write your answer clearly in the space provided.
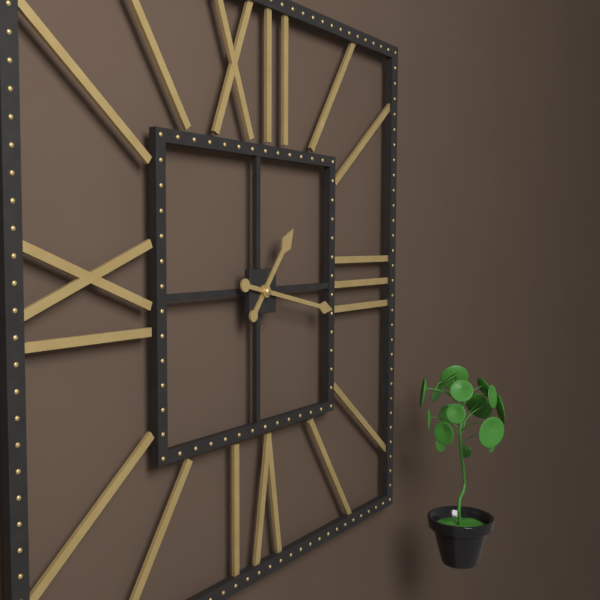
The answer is 1:17
